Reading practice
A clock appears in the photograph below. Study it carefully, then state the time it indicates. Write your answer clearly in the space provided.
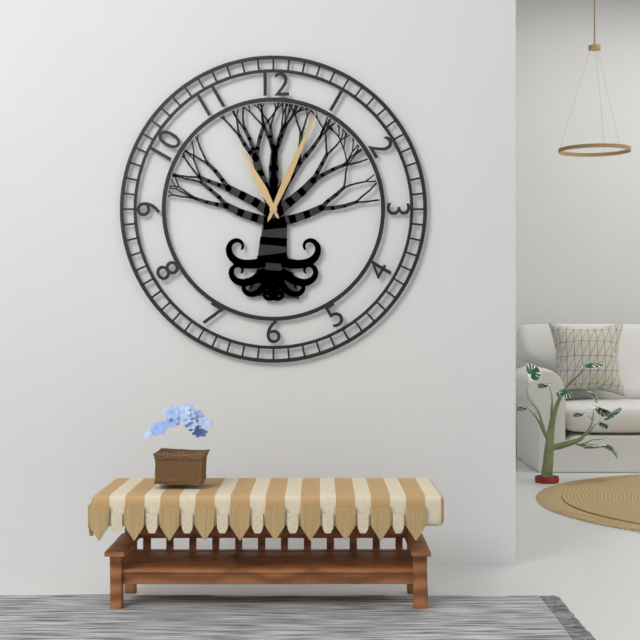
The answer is 11:04
